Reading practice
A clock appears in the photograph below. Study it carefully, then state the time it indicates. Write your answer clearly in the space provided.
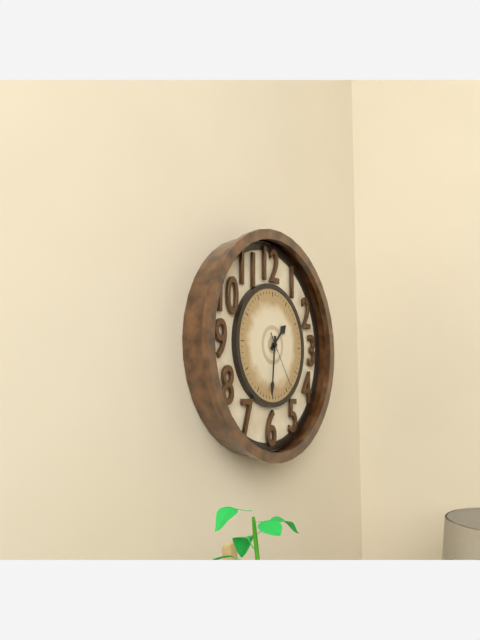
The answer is 1:31:24
